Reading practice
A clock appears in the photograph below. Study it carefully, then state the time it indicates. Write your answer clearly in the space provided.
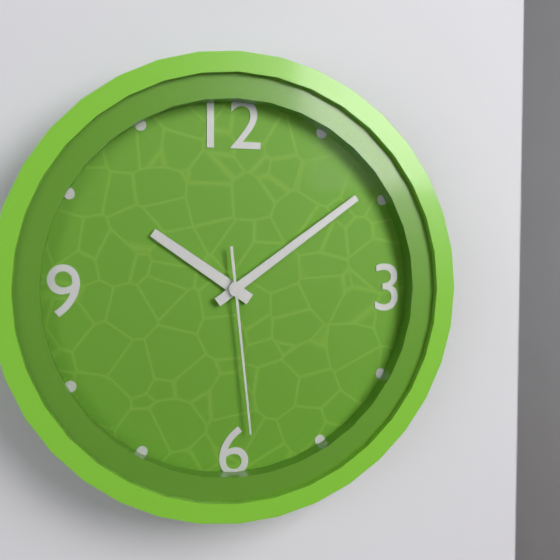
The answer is 10:09:29
